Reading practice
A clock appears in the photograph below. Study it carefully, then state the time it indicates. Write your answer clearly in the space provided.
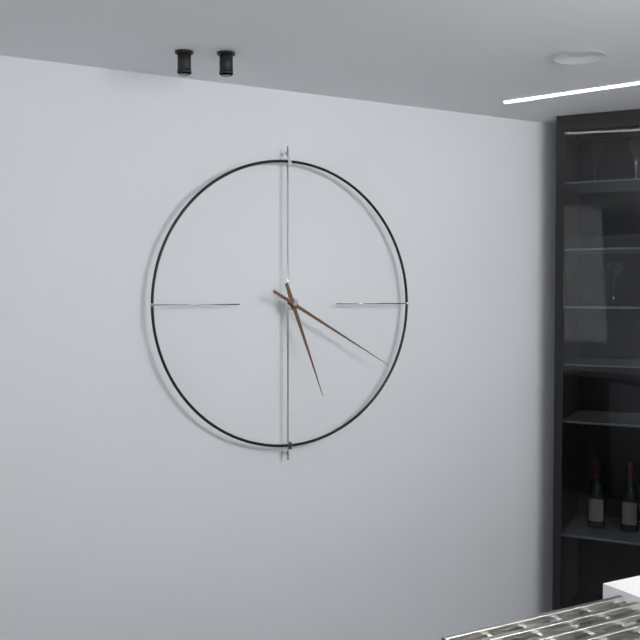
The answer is 5:20
